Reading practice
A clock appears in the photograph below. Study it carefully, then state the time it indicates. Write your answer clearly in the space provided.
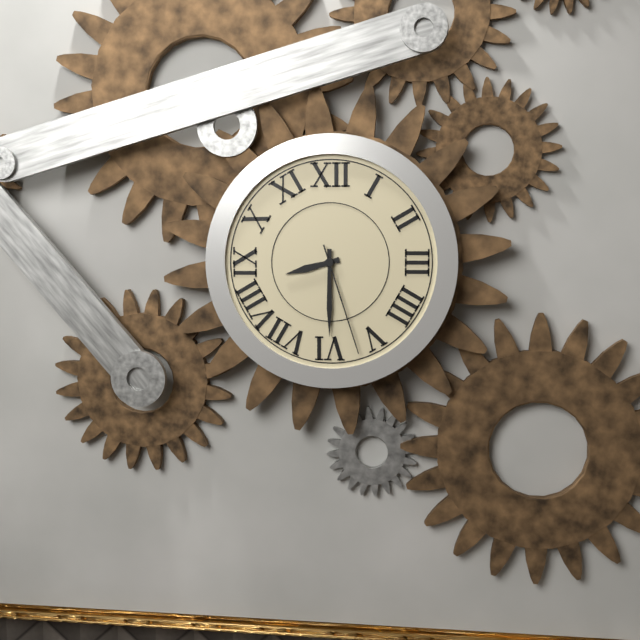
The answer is 8:30:27
